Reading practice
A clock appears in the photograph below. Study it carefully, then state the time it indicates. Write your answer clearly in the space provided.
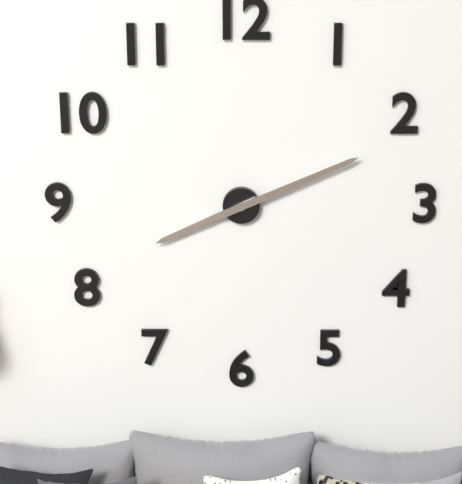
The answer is 8:11
